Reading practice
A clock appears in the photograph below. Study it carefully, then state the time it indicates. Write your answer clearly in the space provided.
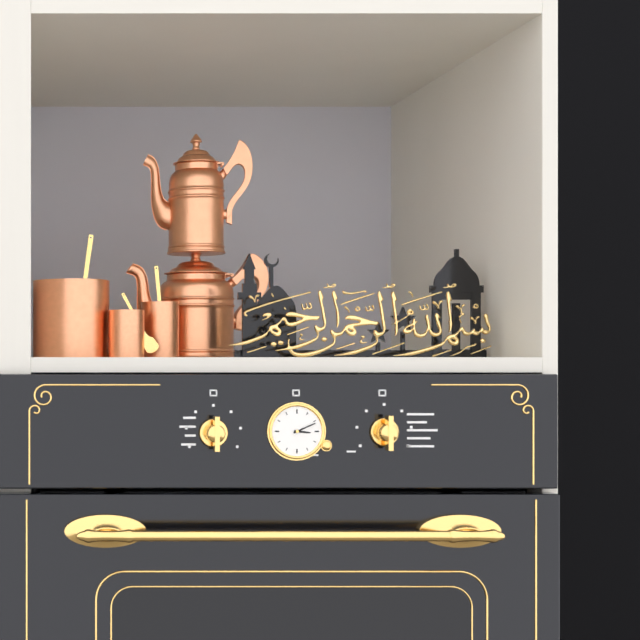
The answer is 3:11
